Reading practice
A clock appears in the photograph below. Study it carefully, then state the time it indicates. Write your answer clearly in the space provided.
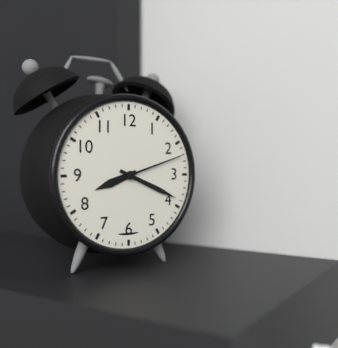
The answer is 8:19:12
